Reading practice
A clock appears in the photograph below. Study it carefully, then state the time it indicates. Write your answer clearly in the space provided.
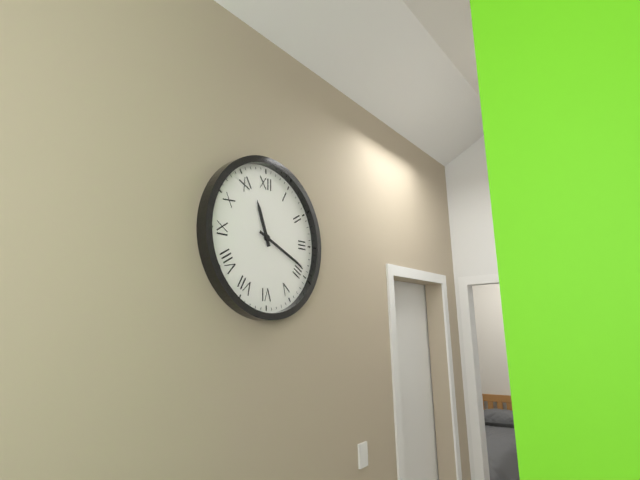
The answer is 11:19
